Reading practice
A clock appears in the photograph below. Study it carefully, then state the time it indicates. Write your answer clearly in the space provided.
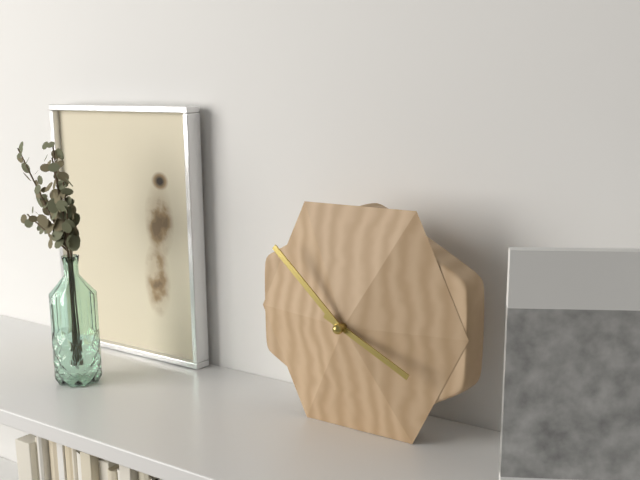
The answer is 3:52
